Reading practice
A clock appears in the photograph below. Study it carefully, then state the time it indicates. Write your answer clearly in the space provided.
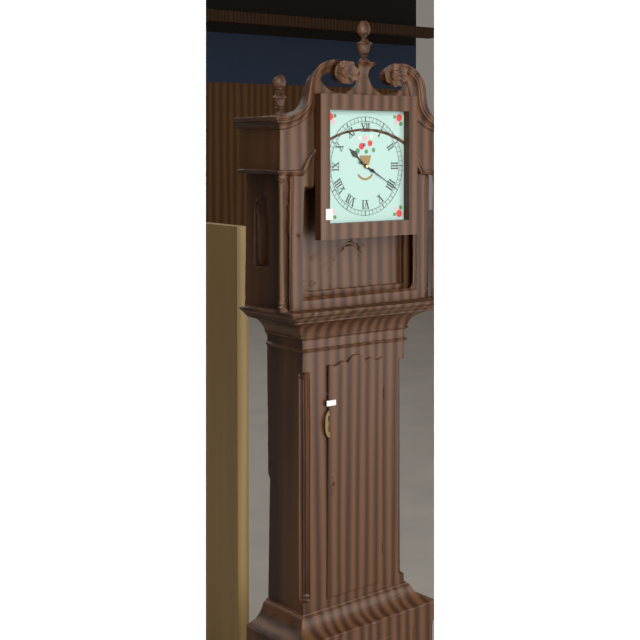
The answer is 10:20
